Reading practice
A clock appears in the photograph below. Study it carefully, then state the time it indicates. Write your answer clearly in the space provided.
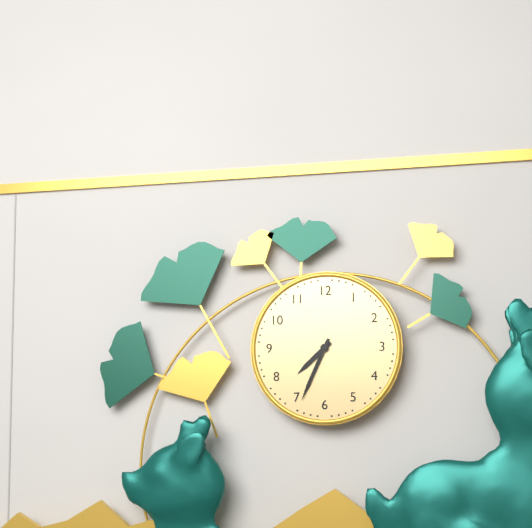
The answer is 7:34
